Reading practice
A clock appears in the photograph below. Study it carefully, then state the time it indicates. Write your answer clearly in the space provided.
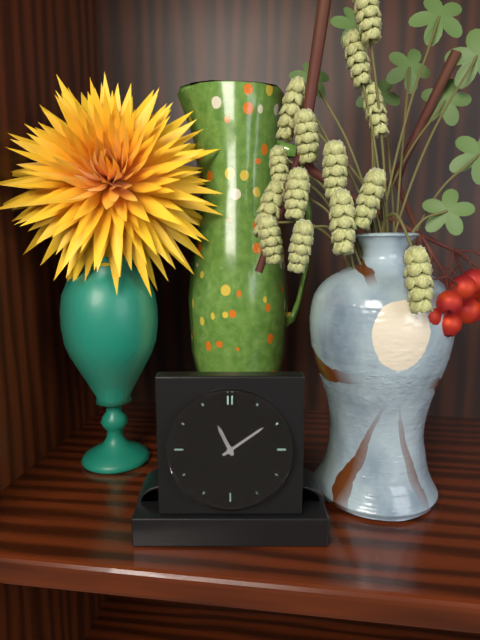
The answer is 11:09
